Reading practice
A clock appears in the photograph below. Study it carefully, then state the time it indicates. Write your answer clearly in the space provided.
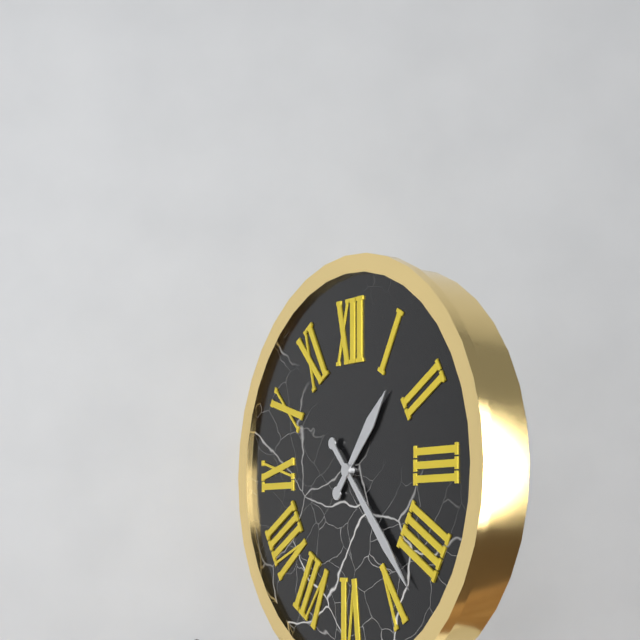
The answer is 1:23
